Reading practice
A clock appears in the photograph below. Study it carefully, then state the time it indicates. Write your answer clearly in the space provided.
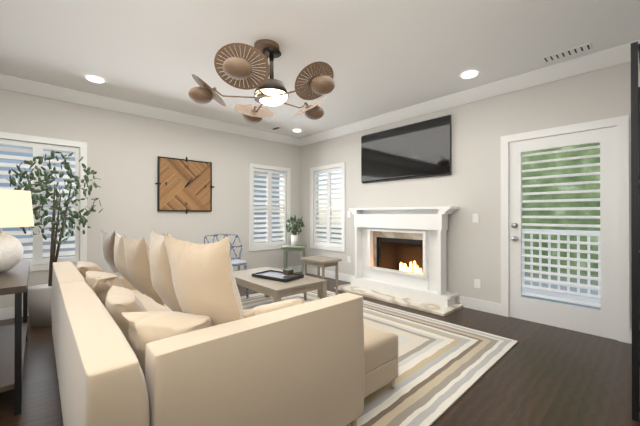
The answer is 1:08
